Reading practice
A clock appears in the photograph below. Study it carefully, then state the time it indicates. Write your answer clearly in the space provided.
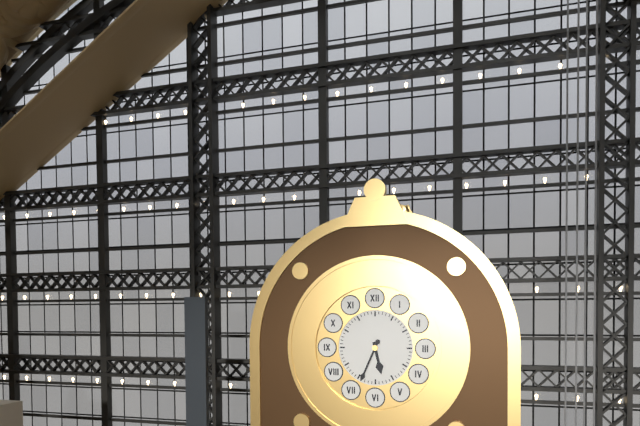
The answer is 5:34
